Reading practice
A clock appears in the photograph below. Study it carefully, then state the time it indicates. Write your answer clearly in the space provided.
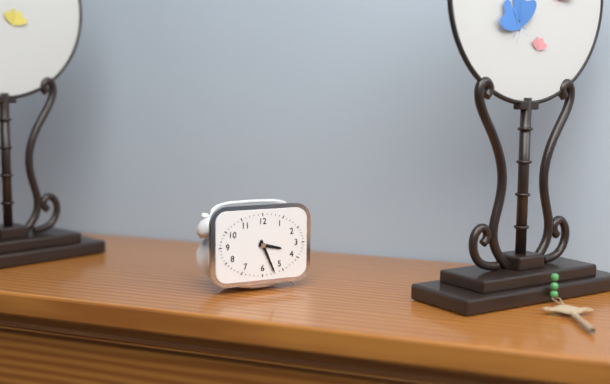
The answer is 3:26
